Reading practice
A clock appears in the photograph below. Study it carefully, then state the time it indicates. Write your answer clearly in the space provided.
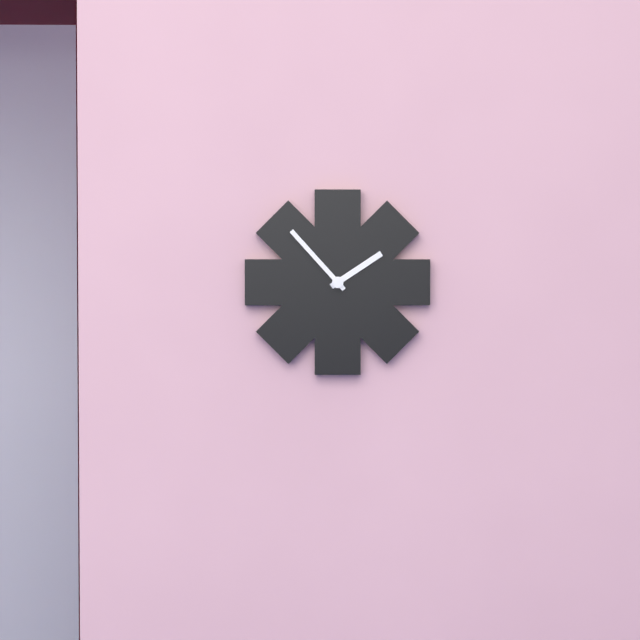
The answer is 1:53
